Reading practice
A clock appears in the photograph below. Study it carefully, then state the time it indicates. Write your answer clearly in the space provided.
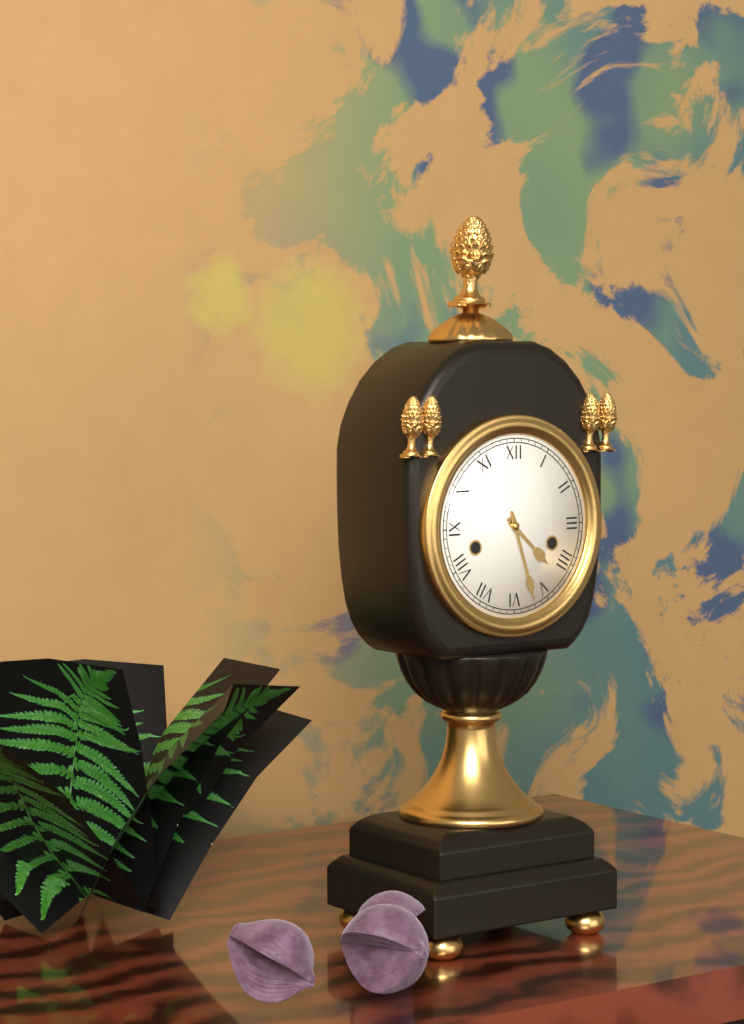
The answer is 4:27
